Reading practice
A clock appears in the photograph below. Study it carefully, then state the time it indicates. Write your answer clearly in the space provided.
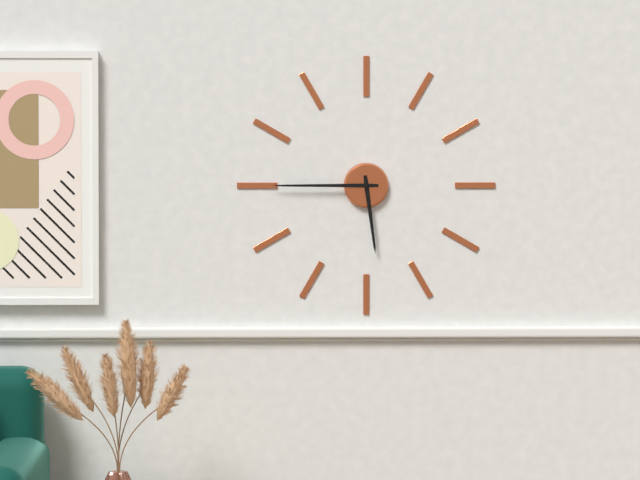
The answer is 5:45
